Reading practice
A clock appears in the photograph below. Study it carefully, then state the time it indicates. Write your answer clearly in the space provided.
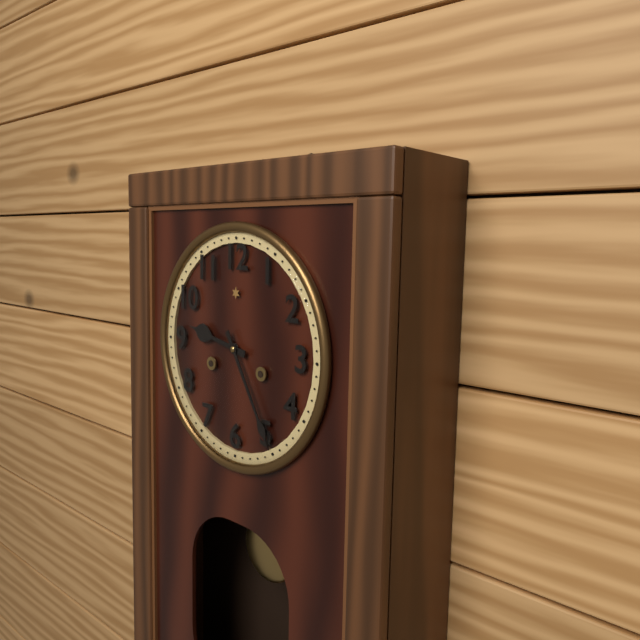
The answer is 9:25
